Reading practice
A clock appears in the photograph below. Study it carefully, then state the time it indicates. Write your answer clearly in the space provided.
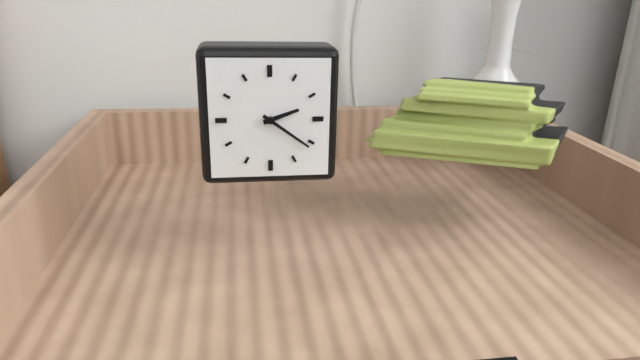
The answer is 2:21
